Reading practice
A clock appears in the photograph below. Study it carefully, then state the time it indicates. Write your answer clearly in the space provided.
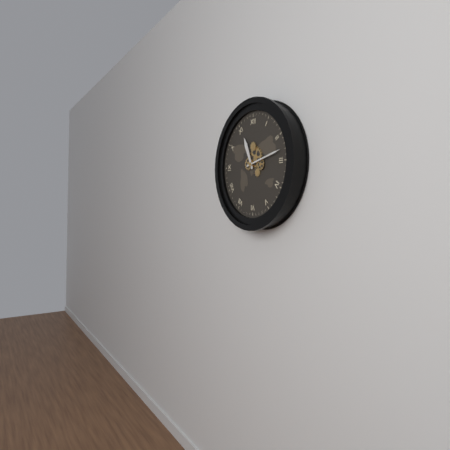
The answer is 11:13
